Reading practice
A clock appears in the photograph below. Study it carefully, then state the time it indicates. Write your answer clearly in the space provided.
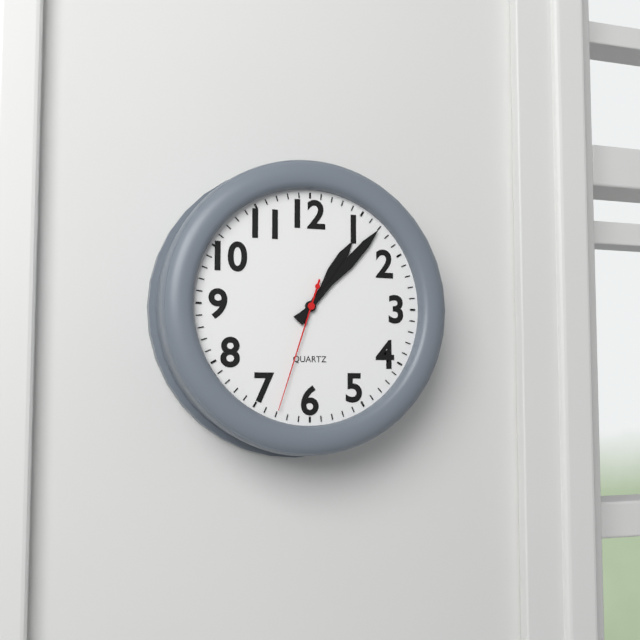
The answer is 1:07:33
